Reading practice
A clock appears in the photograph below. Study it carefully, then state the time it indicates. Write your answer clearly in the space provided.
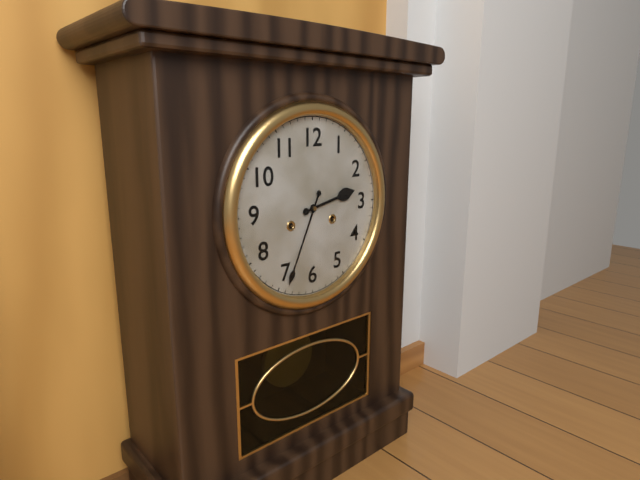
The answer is 2:34
